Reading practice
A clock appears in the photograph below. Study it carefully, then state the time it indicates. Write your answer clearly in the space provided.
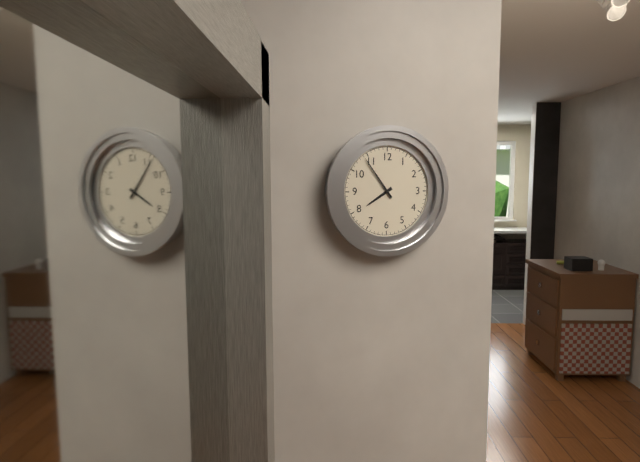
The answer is 7:54
